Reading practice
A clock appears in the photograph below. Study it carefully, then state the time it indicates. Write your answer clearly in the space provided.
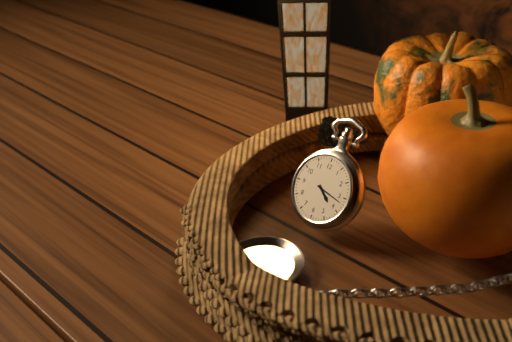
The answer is 4:17
